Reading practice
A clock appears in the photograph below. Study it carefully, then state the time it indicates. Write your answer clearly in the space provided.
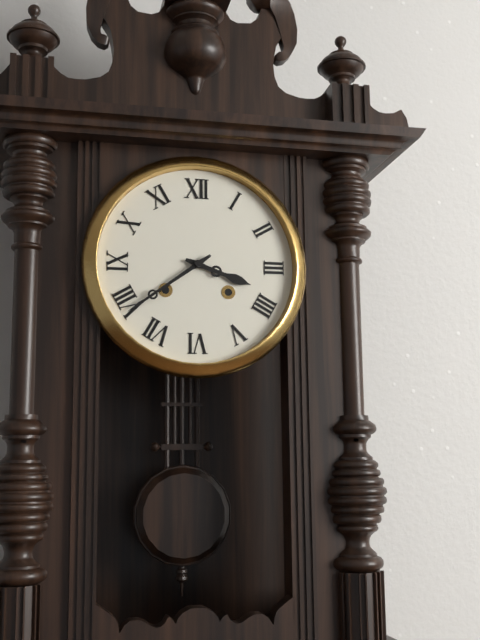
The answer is 3:39
